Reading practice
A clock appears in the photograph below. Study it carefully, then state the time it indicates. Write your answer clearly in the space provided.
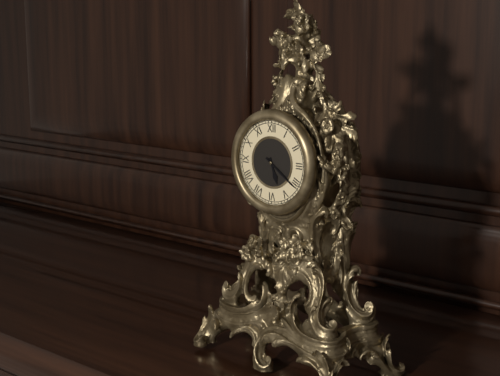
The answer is 5:21
